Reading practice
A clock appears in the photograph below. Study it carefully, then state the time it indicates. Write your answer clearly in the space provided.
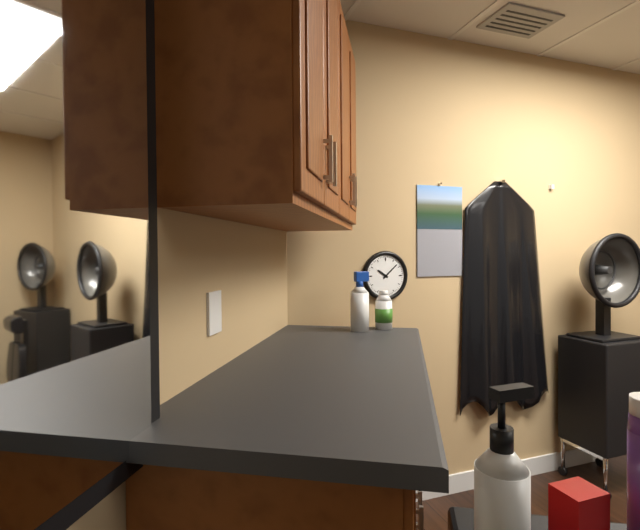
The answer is 10:08
